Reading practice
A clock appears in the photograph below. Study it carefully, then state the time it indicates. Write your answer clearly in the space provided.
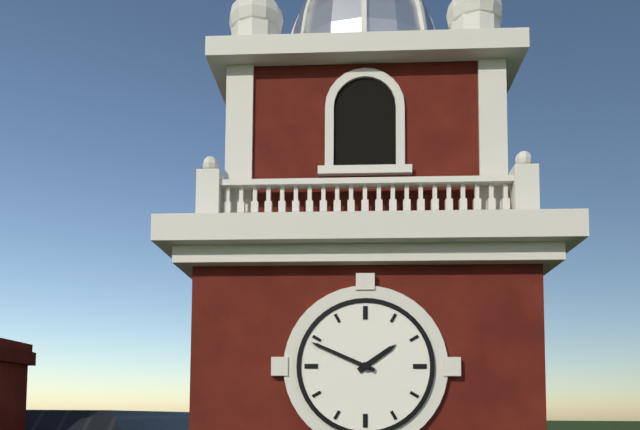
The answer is 1:49
